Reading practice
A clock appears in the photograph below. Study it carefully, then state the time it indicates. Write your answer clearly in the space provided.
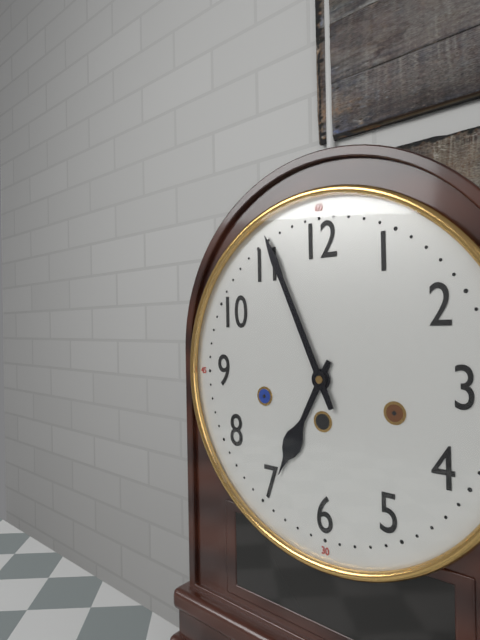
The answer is 6:56
